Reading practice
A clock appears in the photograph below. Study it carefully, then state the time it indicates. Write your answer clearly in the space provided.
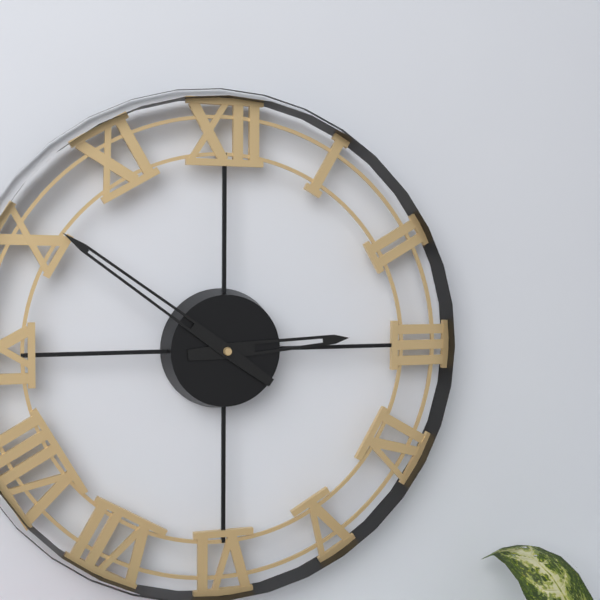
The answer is 2:51
